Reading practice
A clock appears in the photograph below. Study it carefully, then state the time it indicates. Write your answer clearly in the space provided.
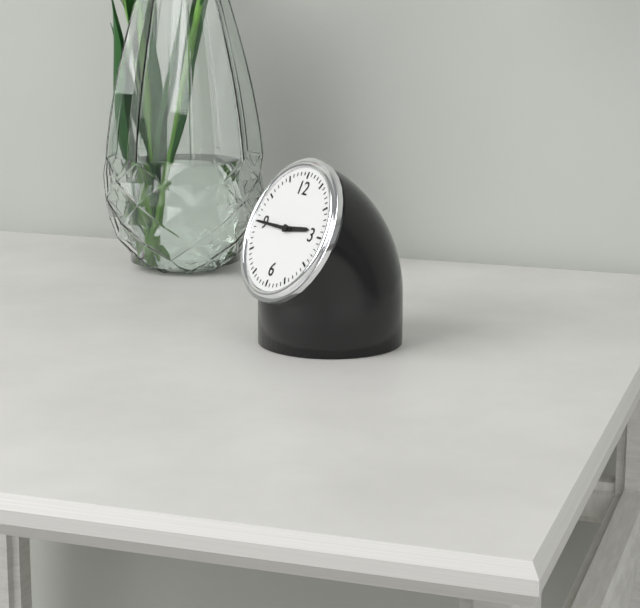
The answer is 2:45
